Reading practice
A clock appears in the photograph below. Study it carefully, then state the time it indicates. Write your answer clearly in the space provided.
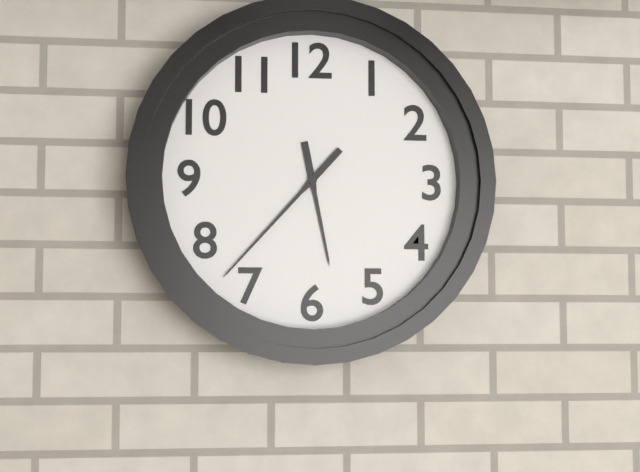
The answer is 5:37
